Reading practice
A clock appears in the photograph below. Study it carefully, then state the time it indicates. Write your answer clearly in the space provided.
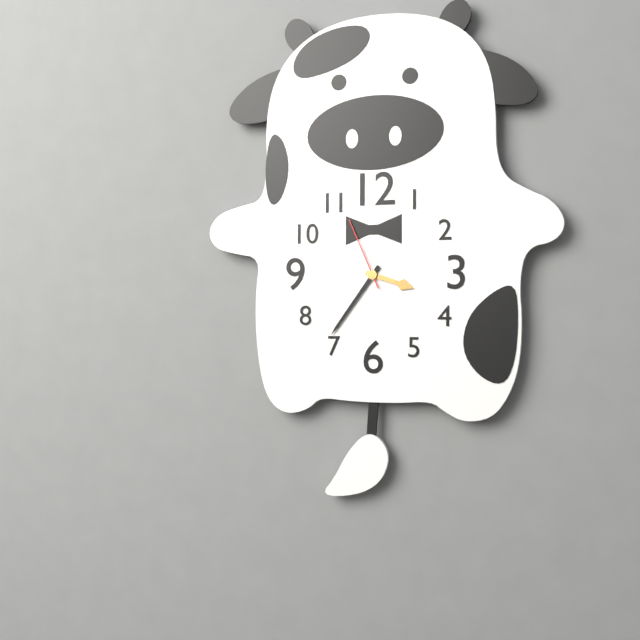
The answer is 3:36:56
